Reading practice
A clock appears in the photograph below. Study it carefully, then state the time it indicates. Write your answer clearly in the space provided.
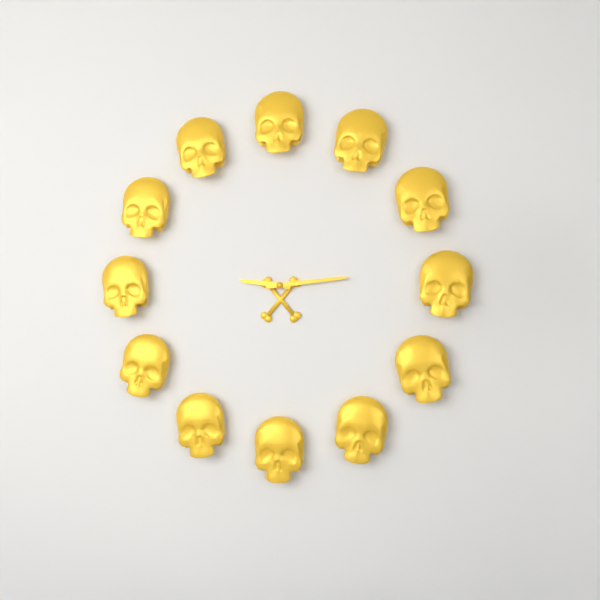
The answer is 9:14
